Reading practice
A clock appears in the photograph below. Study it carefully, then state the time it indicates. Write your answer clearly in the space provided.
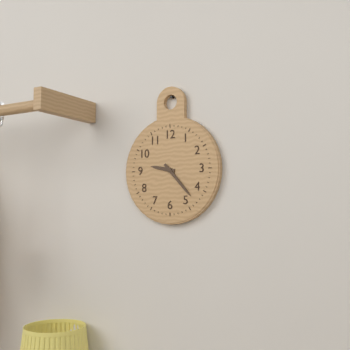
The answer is 9:23
